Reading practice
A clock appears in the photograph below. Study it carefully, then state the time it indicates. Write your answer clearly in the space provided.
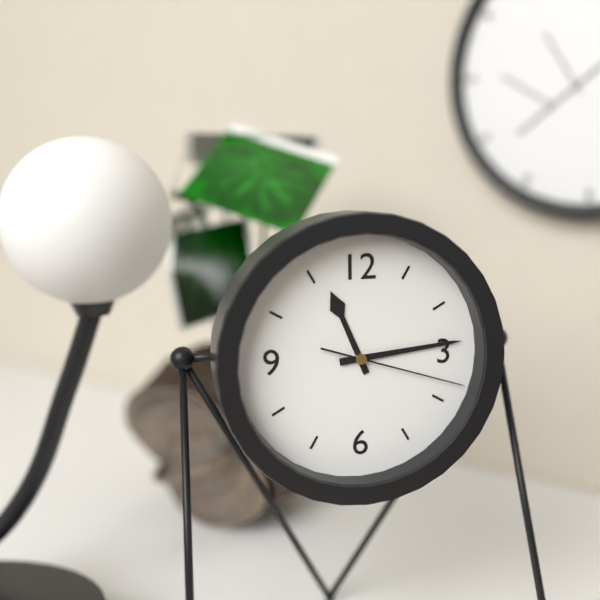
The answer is 11:14:18
